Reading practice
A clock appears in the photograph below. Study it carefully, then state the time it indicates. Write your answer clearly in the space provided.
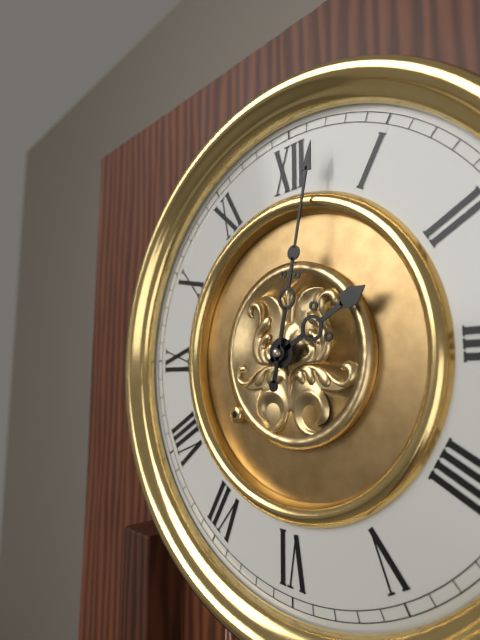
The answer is 2:02
